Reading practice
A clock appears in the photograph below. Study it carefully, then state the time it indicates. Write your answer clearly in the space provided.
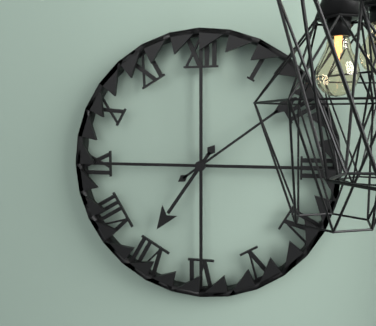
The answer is 7:09
